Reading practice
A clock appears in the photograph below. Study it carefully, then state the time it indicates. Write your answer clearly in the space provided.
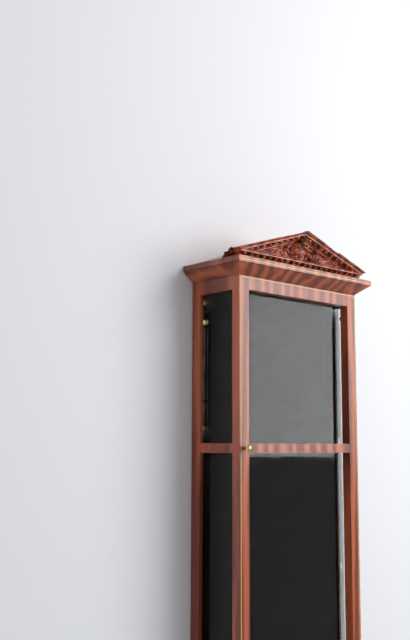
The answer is 4:03:29
